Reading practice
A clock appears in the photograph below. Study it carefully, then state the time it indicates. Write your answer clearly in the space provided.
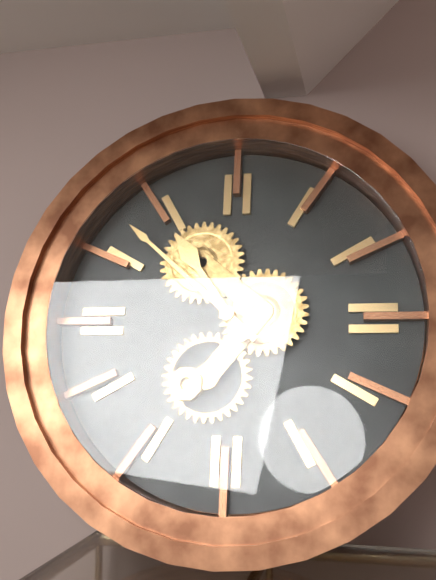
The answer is 10:52
